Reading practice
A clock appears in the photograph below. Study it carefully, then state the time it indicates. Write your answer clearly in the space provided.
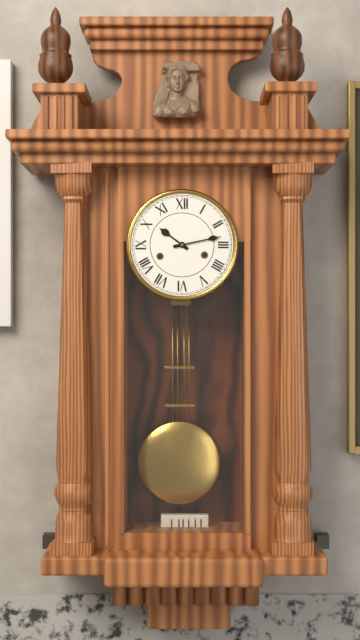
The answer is 10:13
